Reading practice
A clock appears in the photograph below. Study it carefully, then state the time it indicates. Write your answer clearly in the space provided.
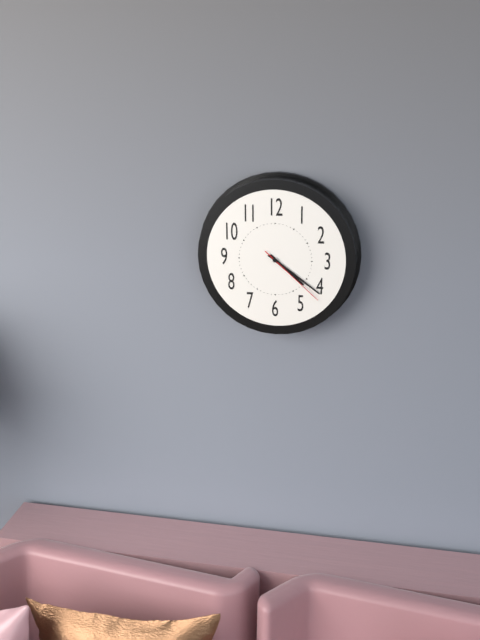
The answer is 4:21:22
